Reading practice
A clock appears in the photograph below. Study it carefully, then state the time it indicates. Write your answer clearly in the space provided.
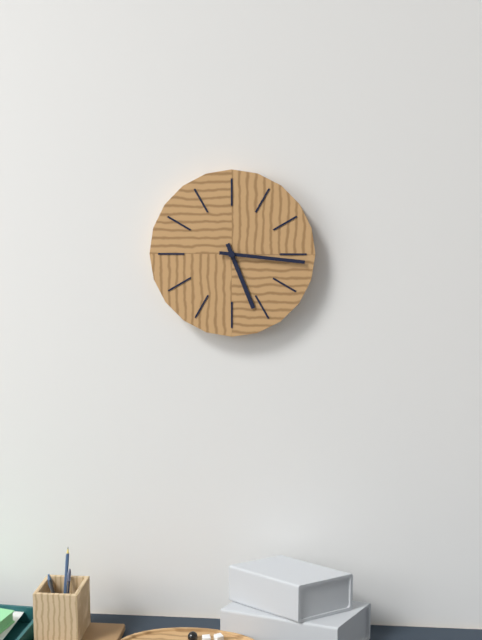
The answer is 5:16
